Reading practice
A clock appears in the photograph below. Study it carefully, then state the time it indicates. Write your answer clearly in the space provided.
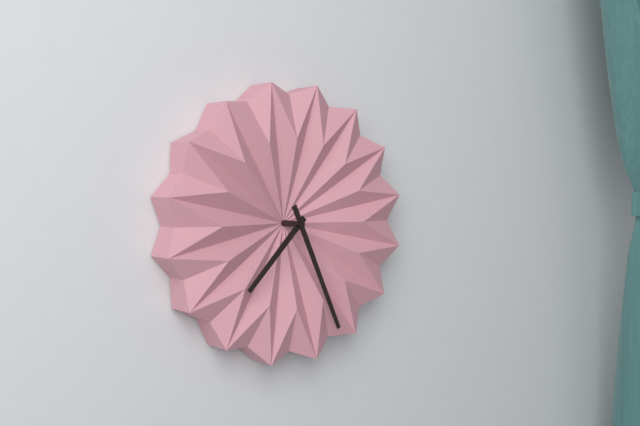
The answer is 7:26
